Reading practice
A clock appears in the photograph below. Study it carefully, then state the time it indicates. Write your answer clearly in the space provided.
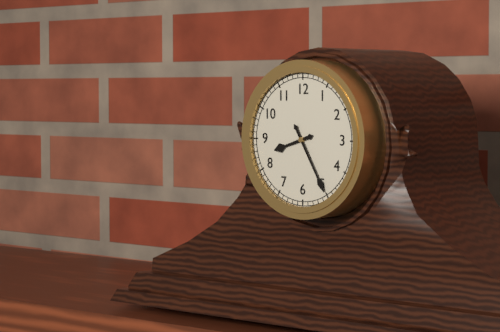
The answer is 8:25
